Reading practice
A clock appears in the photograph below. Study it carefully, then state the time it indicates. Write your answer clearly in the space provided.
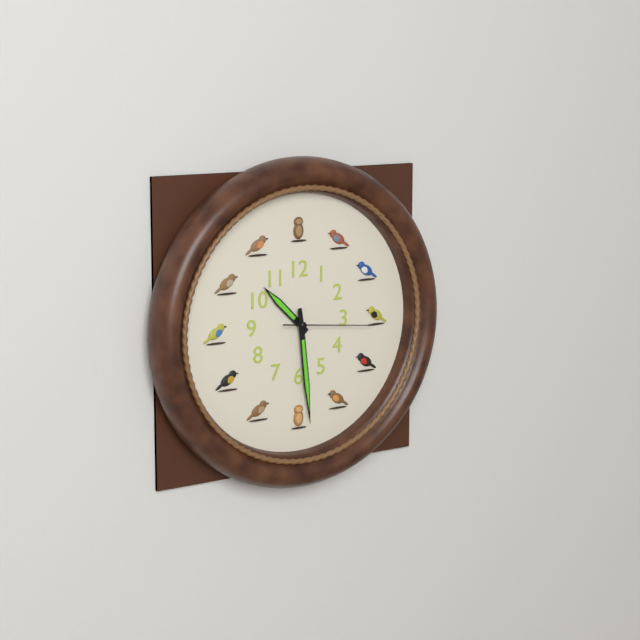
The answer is 10:29:16
